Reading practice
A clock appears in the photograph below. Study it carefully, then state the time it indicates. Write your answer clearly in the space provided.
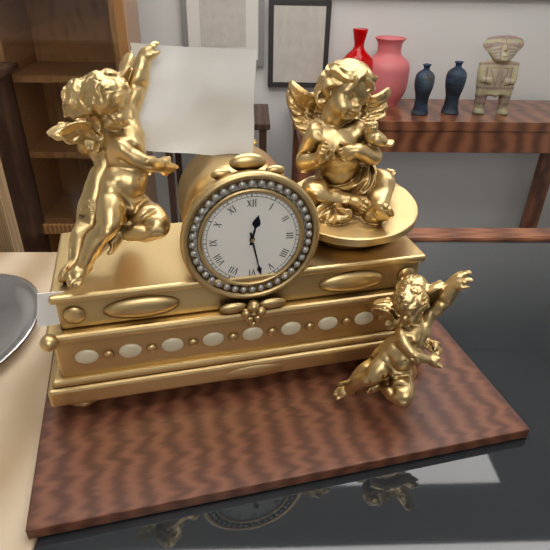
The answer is 12:28
